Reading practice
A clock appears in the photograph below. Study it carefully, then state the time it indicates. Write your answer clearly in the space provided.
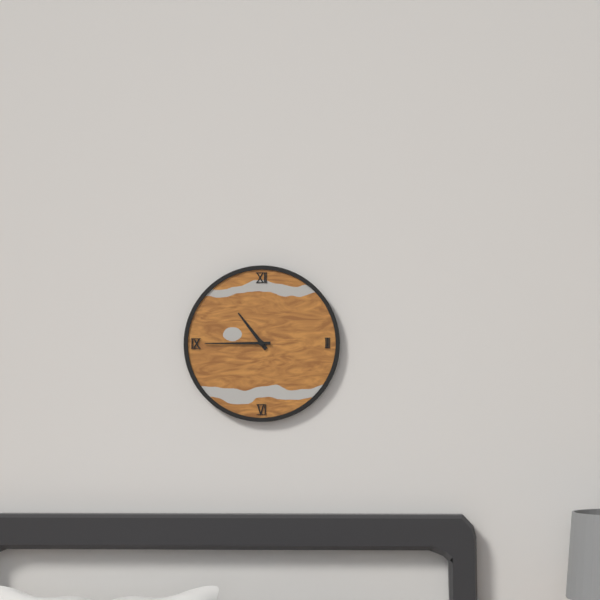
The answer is 10:45
